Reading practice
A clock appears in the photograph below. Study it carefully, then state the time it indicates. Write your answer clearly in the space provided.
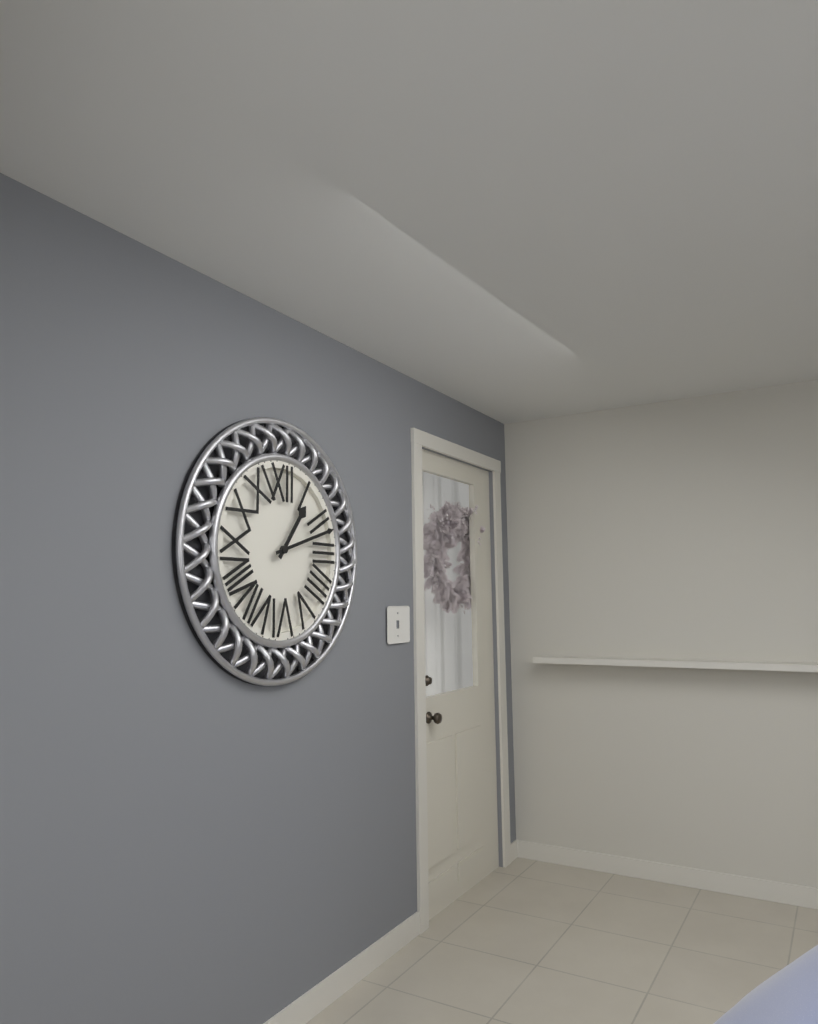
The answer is 1:12
